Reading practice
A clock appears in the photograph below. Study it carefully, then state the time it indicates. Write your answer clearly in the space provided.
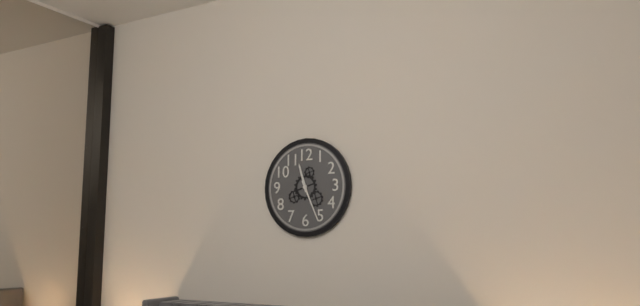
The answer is 11:26
